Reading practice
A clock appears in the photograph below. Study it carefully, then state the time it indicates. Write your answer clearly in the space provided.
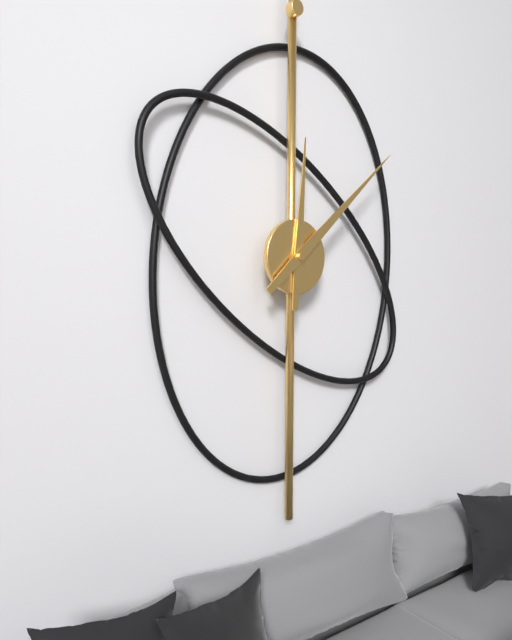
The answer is 12:08
